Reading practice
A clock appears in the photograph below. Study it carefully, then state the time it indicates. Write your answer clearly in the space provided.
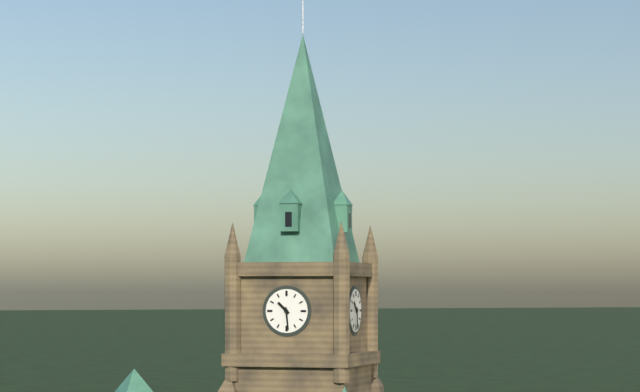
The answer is 10:29
